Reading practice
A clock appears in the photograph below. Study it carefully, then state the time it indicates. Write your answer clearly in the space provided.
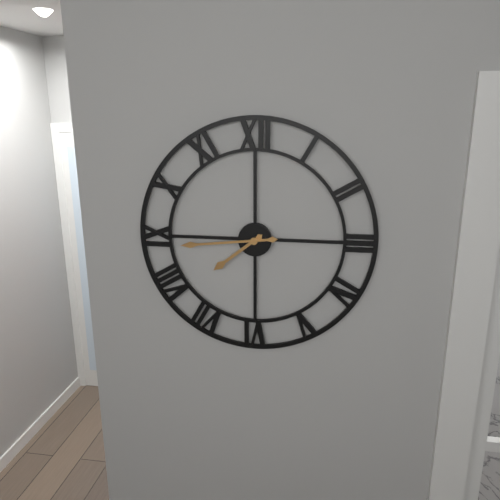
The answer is 7:44
